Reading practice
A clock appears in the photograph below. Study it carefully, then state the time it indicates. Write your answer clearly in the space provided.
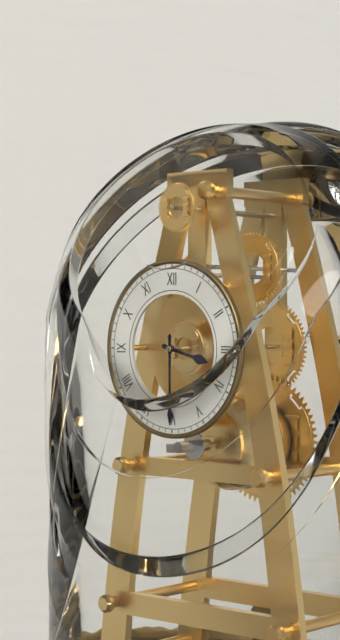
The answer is 3:30
